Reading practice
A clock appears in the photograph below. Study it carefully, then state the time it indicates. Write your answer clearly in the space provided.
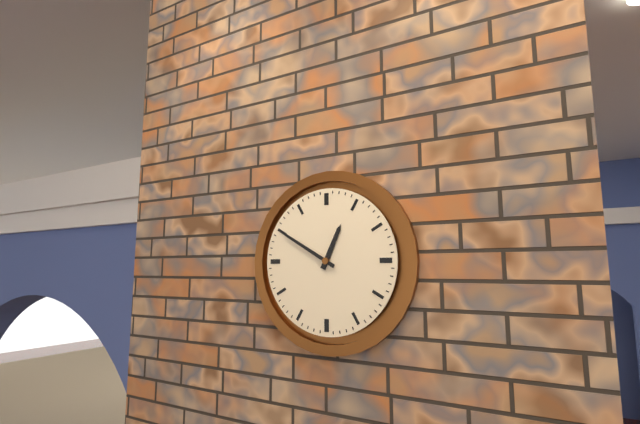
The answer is 12:50
